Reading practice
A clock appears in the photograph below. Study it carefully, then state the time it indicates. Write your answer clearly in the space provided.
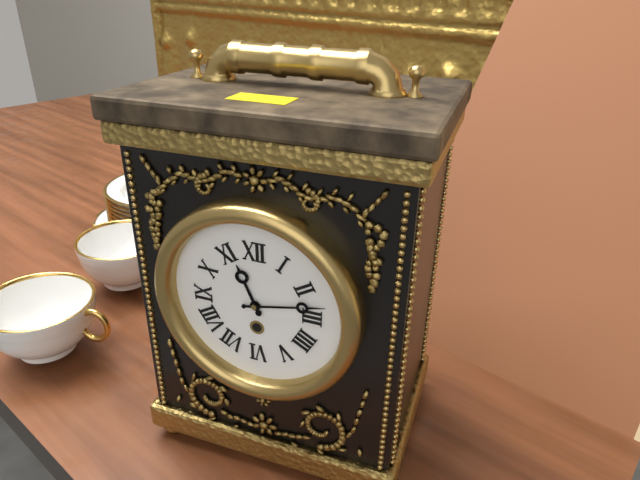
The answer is 11:13
